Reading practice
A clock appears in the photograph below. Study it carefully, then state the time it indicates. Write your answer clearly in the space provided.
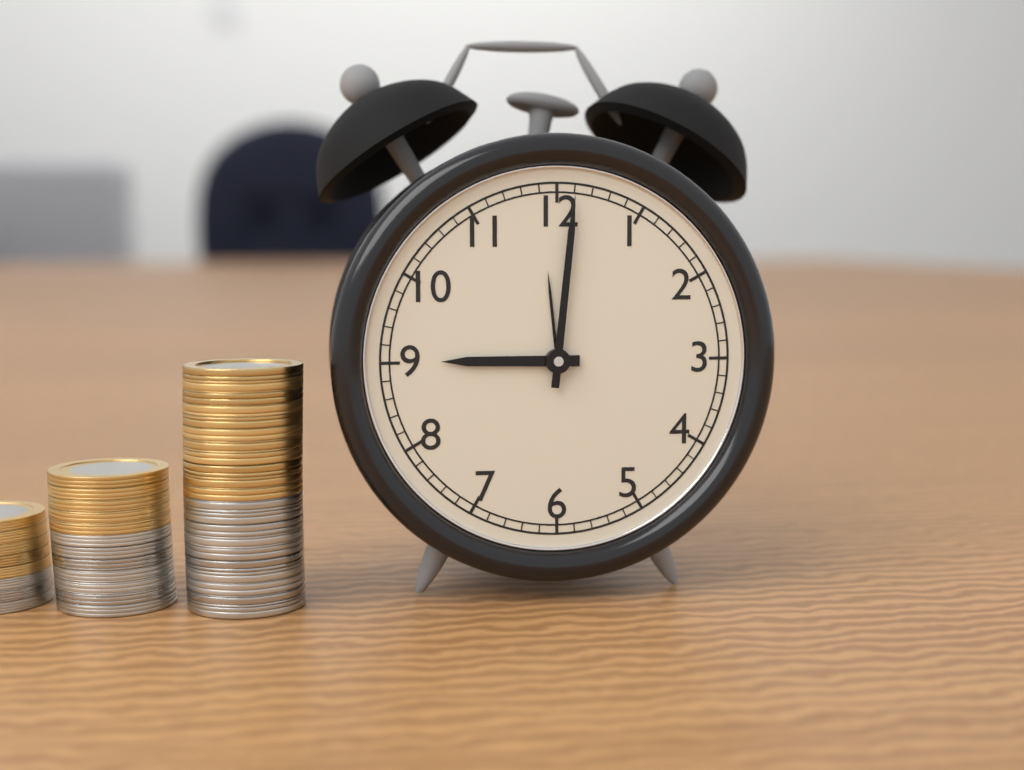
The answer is 9:01
